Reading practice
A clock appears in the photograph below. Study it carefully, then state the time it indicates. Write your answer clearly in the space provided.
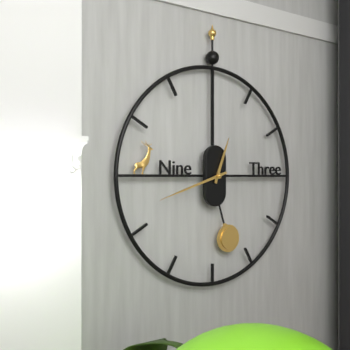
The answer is 12:42
